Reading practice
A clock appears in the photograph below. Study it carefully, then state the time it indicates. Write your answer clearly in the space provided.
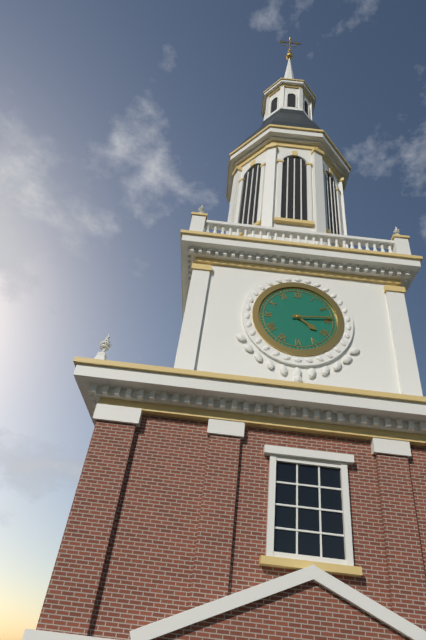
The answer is 4:14
